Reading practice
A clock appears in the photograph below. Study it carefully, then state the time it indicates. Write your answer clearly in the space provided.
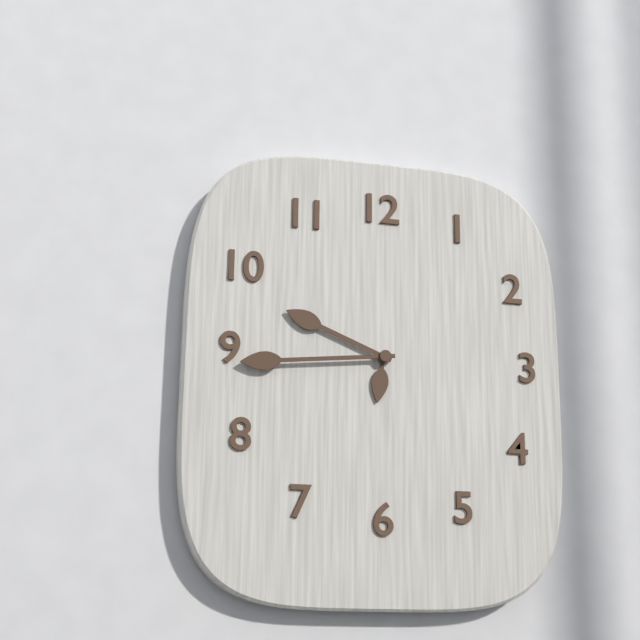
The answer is 9:44
